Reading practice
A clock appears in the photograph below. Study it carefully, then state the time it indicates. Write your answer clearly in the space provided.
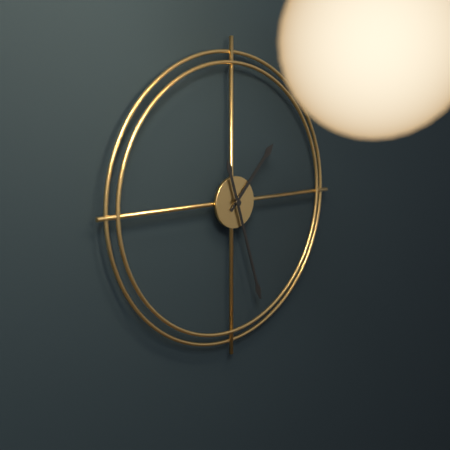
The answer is 1:27
